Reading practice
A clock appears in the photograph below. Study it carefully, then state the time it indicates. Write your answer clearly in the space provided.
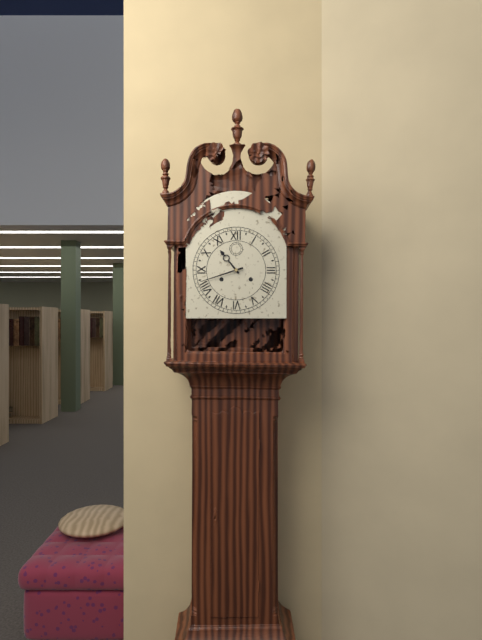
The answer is 10:42
